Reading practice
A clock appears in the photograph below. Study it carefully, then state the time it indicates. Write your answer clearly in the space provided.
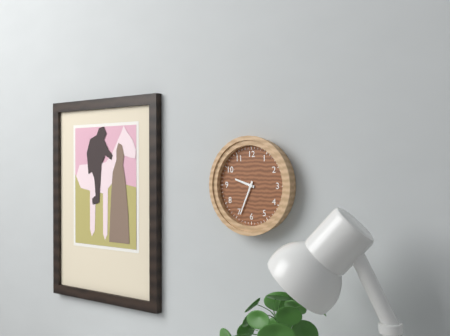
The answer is 9:34
